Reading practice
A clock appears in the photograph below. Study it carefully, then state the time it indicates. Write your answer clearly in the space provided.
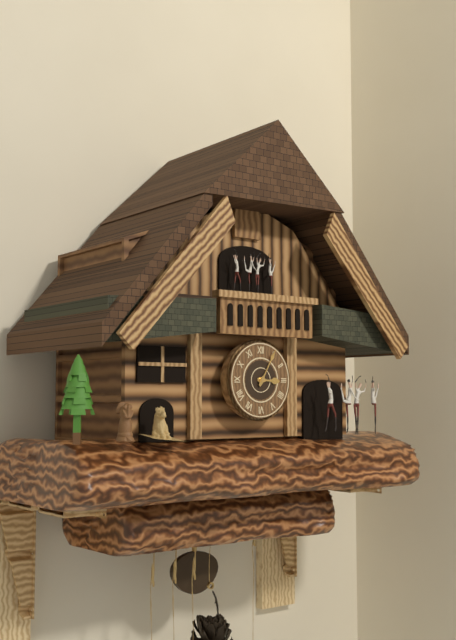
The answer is 3:05
